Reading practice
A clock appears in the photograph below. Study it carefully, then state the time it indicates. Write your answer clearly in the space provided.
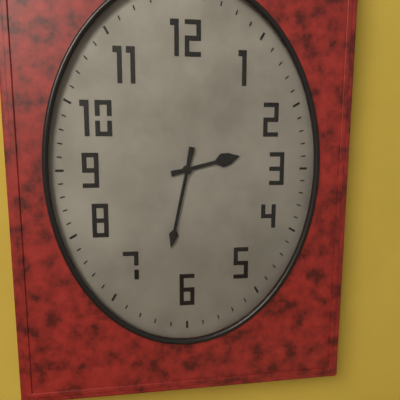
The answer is 2:32
